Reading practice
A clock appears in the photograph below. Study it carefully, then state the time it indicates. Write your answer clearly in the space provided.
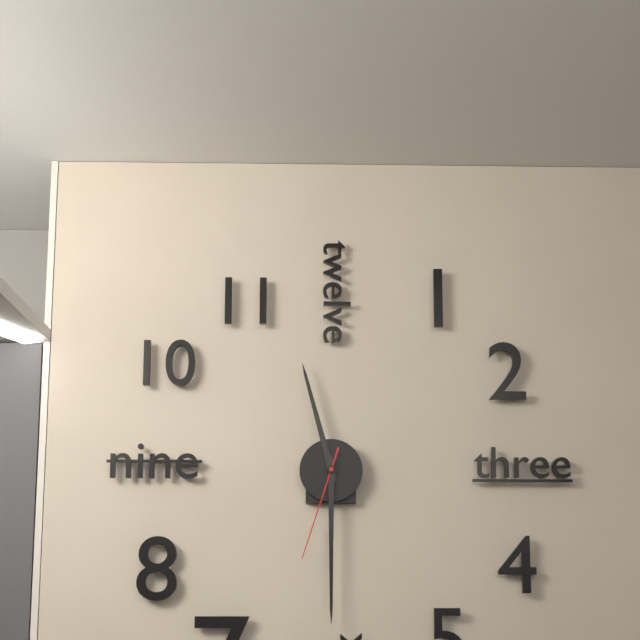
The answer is 11:30:33
